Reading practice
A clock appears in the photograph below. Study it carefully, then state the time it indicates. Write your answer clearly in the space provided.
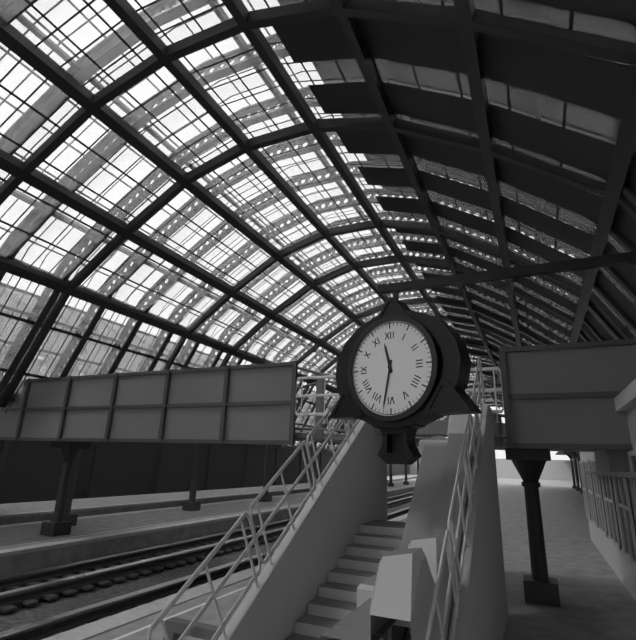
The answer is 11:32
